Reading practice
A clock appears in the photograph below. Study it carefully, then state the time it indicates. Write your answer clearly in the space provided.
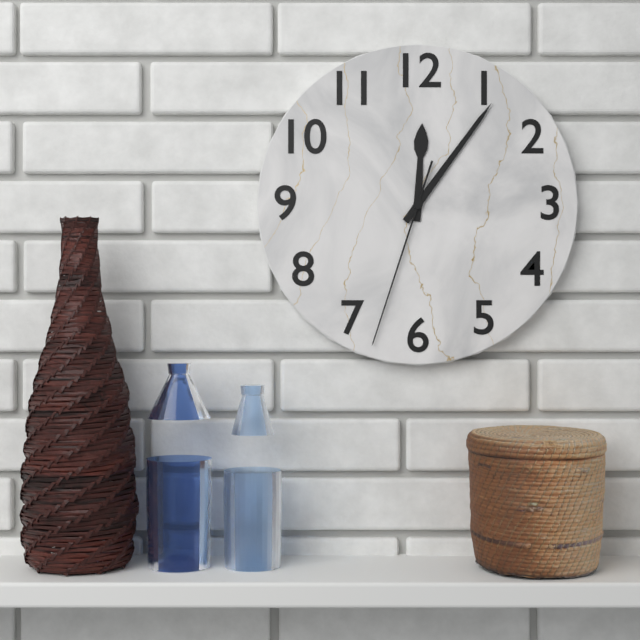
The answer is 12:06:33
